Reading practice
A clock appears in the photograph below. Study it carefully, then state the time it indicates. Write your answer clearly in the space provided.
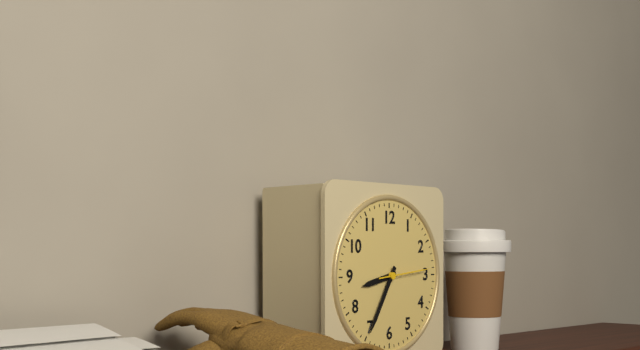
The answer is 8:35
